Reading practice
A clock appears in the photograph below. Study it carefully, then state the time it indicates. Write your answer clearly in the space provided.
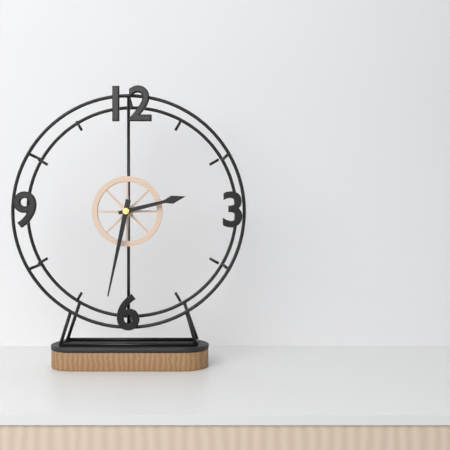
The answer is 2:32
